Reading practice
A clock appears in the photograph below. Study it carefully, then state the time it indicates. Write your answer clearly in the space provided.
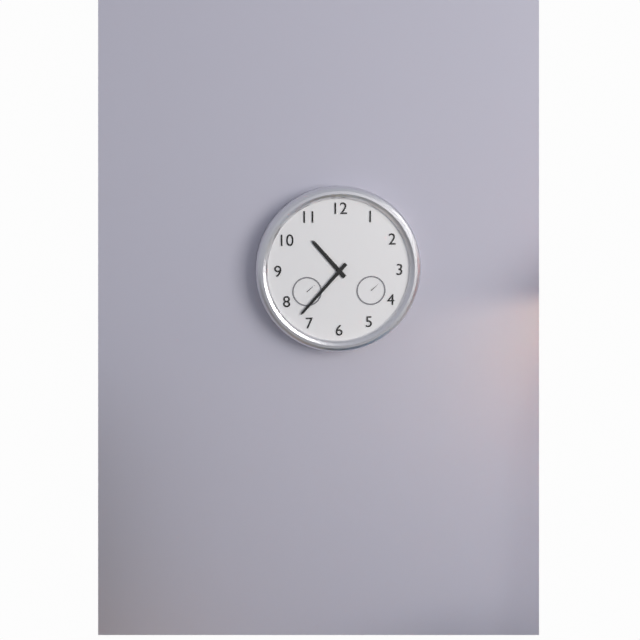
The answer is 10:37
